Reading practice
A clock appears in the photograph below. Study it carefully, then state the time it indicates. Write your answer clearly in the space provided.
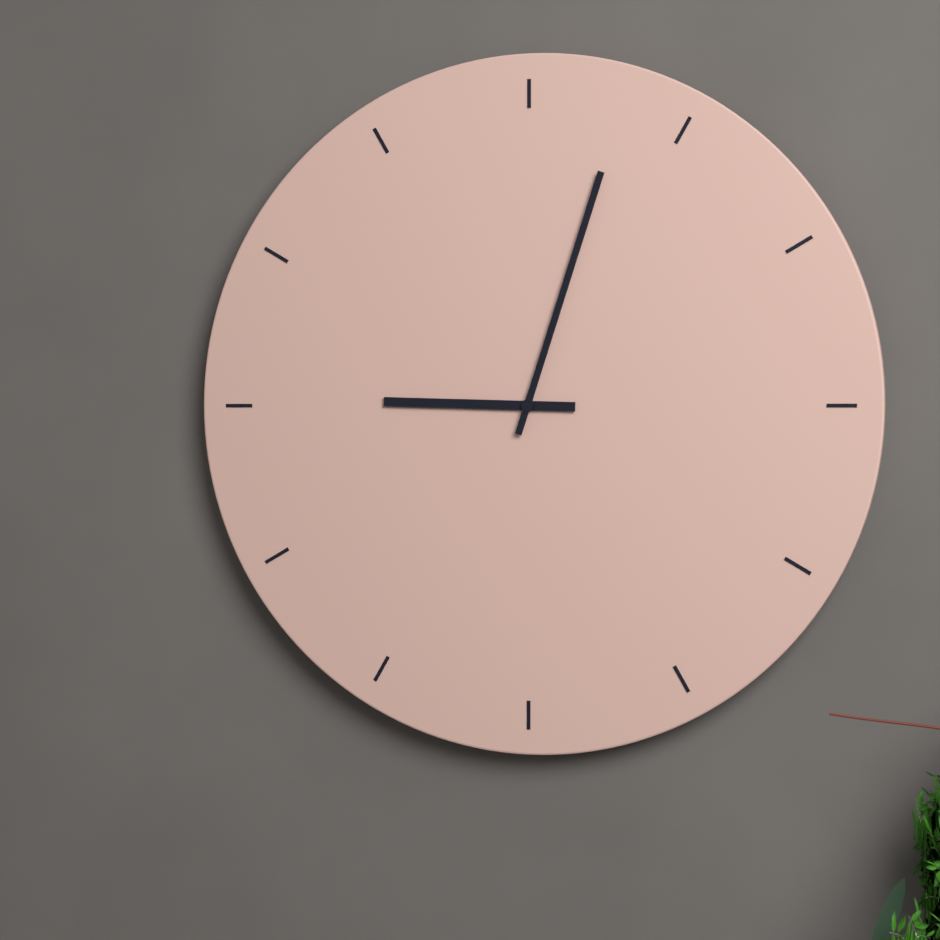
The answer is 9:03
